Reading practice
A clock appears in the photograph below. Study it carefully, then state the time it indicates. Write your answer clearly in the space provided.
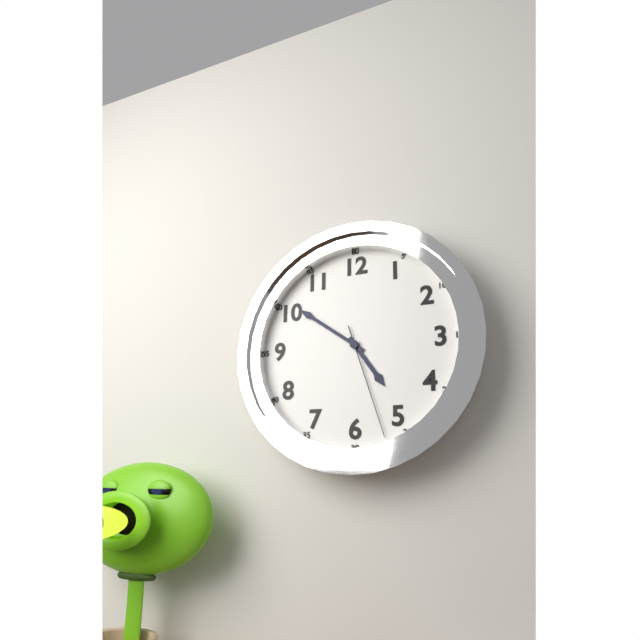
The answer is 4:51:27
